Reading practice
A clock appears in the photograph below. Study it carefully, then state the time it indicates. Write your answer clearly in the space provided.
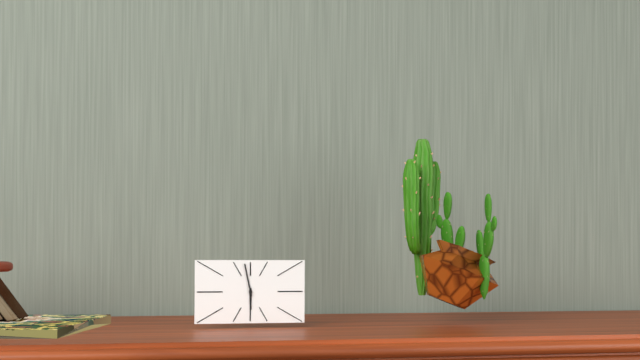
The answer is 5:58
